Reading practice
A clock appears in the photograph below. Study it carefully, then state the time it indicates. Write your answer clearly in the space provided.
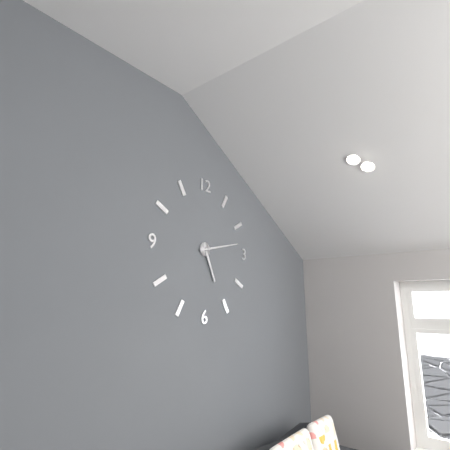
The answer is 5:13
